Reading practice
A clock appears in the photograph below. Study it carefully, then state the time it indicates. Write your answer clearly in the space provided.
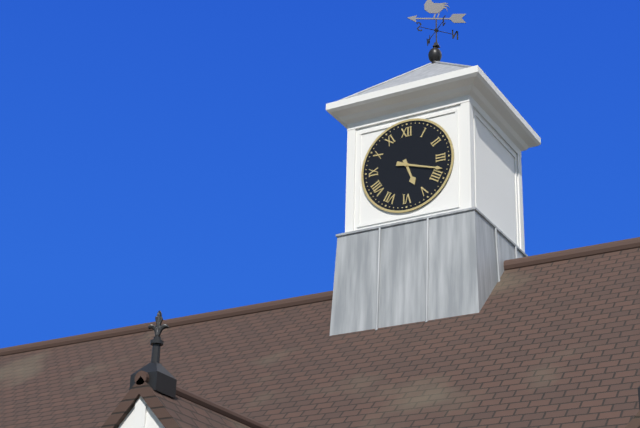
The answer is 5:18
